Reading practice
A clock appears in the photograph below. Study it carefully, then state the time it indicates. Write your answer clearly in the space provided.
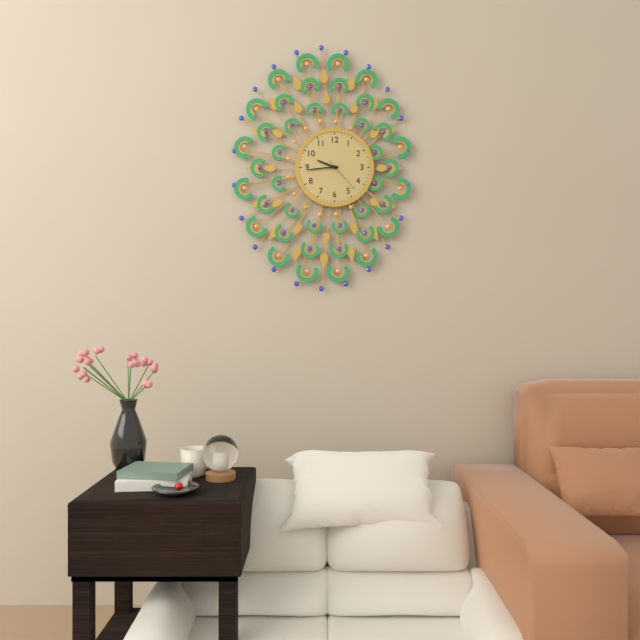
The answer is 9:44
